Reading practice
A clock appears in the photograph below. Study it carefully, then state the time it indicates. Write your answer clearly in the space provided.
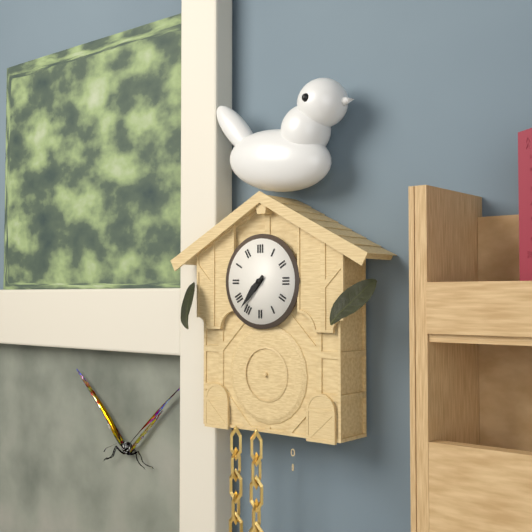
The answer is 7:37
